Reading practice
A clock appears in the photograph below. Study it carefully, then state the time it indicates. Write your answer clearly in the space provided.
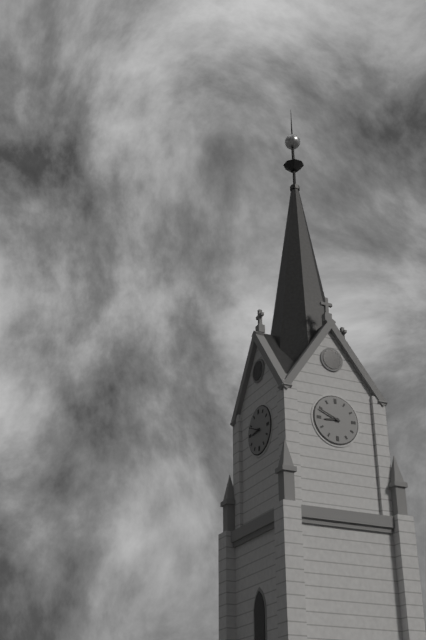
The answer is 8:49
